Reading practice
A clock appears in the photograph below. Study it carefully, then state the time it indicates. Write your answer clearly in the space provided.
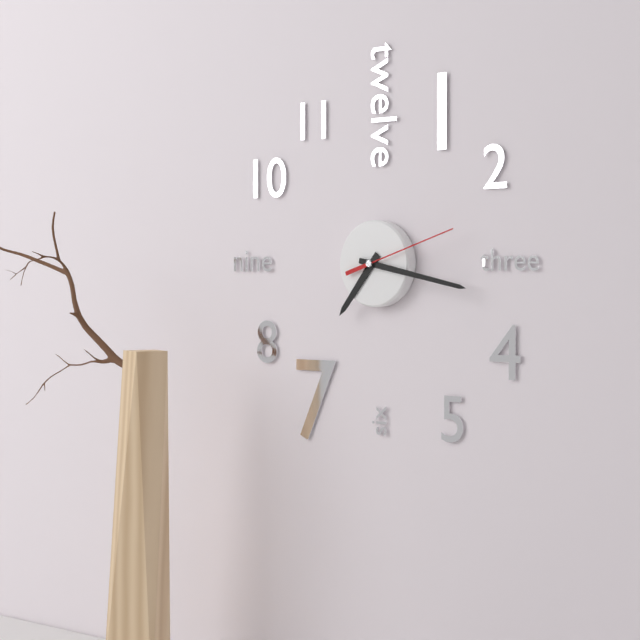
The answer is 7:17:12
